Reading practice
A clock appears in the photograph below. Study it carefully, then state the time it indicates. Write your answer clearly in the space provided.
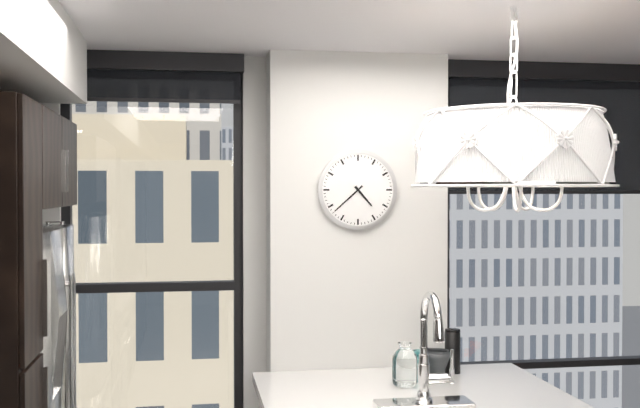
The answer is 4:38
